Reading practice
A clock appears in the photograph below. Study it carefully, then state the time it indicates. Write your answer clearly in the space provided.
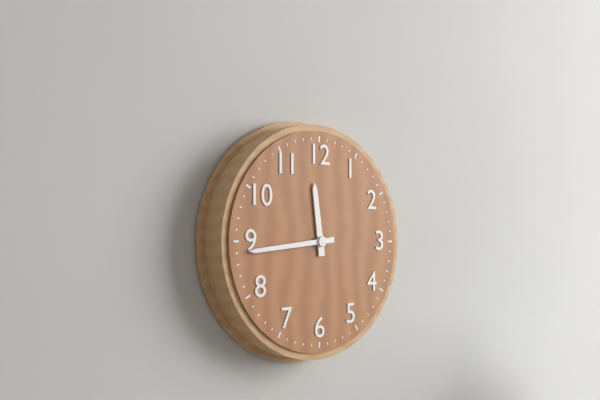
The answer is 11:44
